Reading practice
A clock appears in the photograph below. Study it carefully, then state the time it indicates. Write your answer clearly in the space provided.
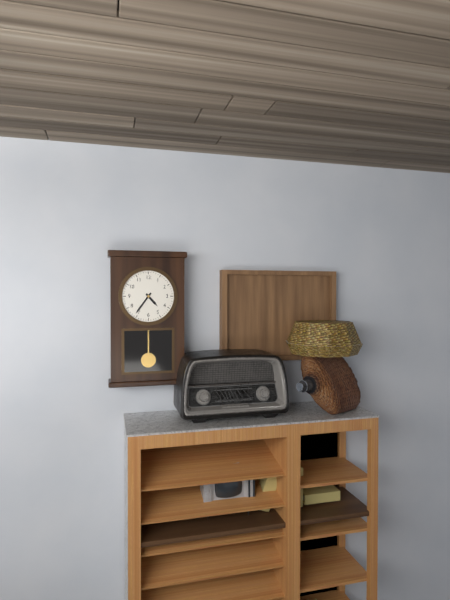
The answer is 4:36
